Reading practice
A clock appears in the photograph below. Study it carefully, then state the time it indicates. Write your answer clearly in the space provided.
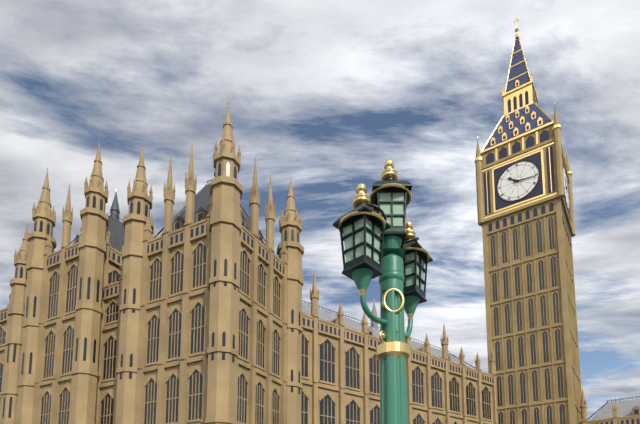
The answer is 10:16
